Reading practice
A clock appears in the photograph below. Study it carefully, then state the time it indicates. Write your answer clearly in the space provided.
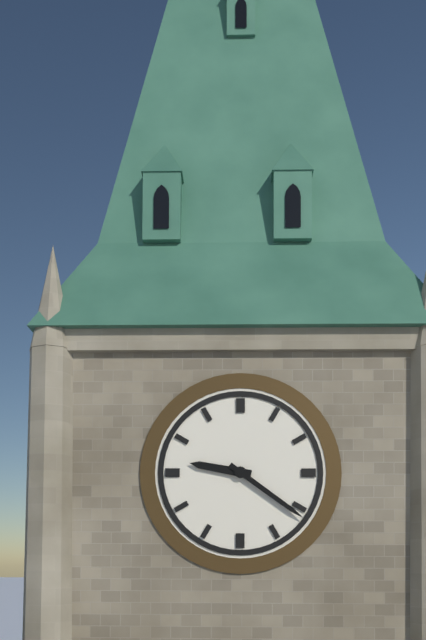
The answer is 9:21
